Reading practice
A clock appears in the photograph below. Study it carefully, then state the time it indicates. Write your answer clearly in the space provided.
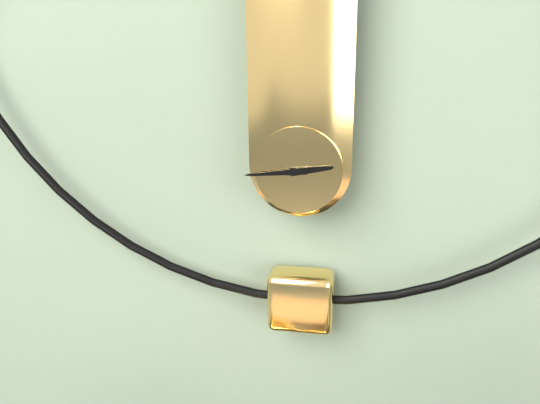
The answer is 2:44
